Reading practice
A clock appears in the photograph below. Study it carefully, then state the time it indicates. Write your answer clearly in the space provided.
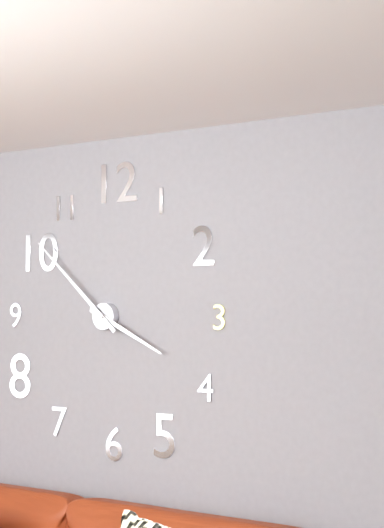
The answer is 3:52
